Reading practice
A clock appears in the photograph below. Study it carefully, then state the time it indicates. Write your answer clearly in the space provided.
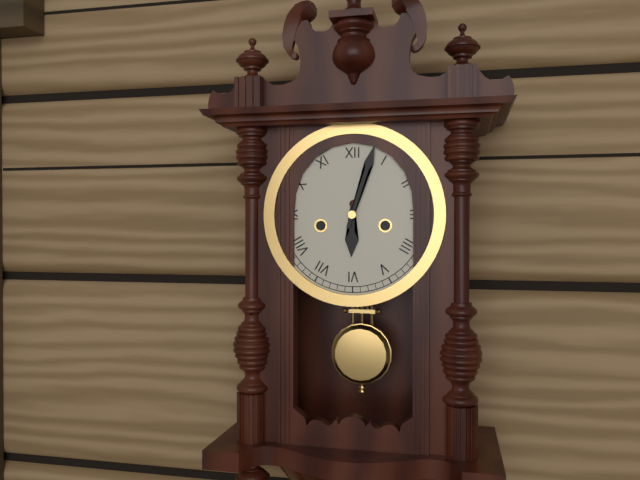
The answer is 6:03
